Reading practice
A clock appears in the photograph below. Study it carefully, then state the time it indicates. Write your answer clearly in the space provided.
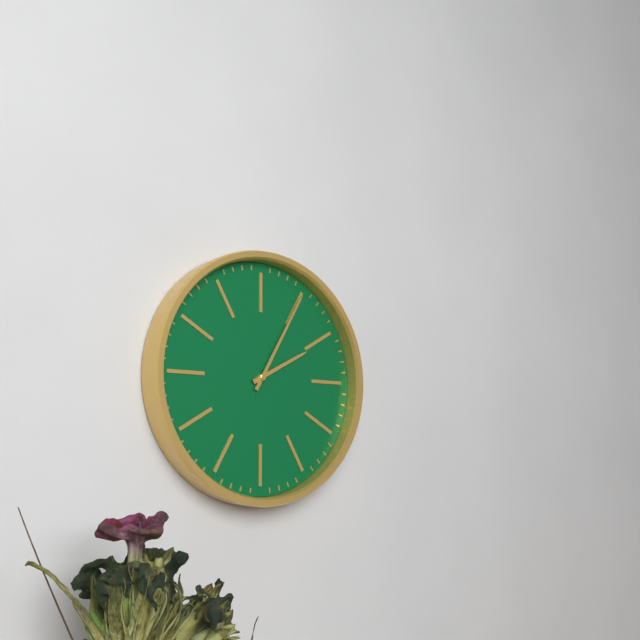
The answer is 2:05
